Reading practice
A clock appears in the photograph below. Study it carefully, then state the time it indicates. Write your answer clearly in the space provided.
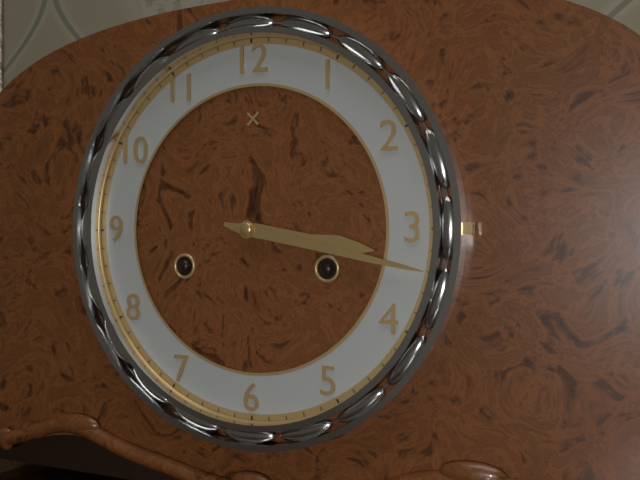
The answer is 3:17
